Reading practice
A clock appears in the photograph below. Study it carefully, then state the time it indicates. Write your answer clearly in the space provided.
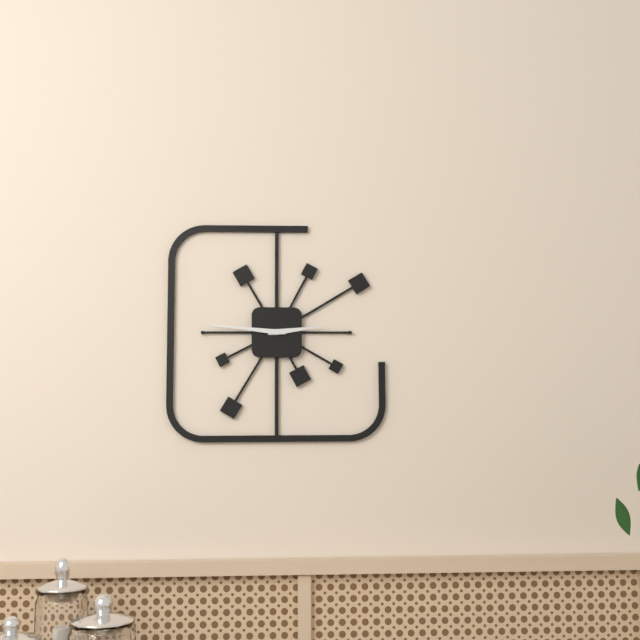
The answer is 2:46
